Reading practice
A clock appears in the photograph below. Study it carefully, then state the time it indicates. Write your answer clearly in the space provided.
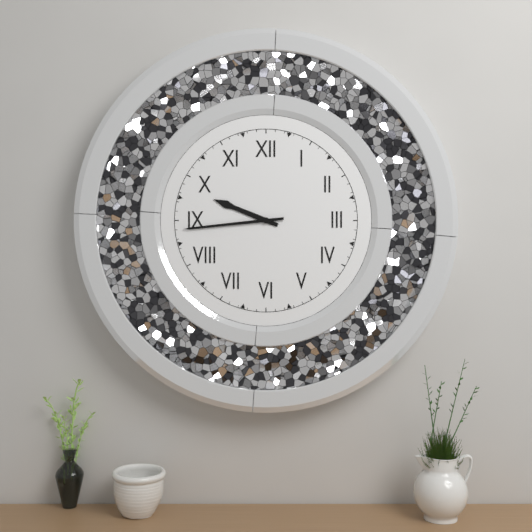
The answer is 9:44
